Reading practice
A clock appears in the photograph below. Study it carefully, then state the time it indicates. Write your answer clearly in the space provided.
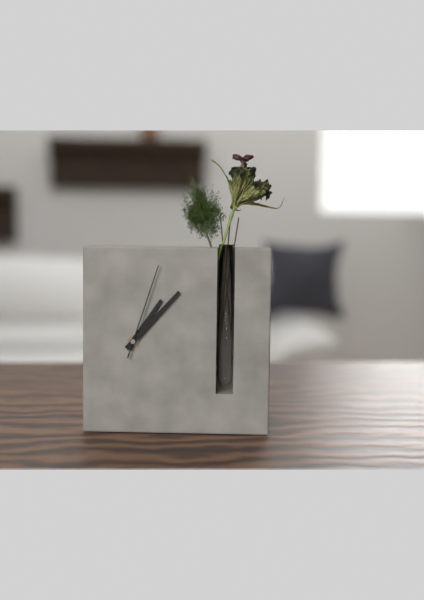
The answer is 1:07:03
